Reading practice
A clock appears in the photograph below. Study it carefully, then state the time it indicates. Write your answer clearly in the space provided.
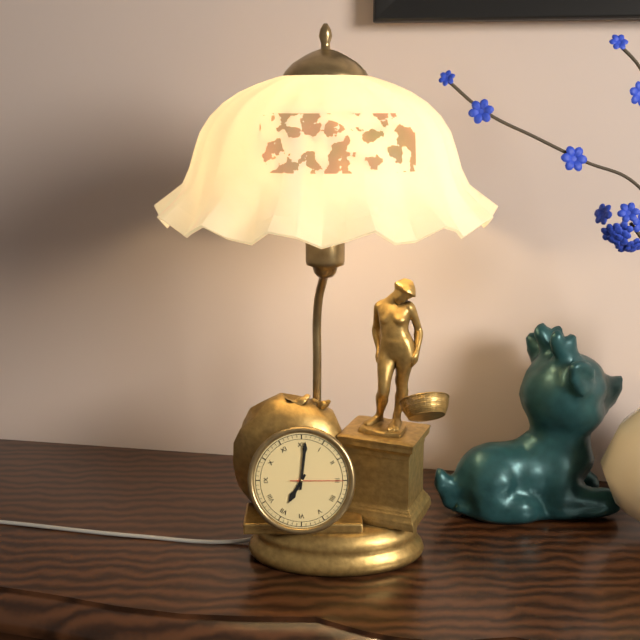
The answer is 7:01:15
